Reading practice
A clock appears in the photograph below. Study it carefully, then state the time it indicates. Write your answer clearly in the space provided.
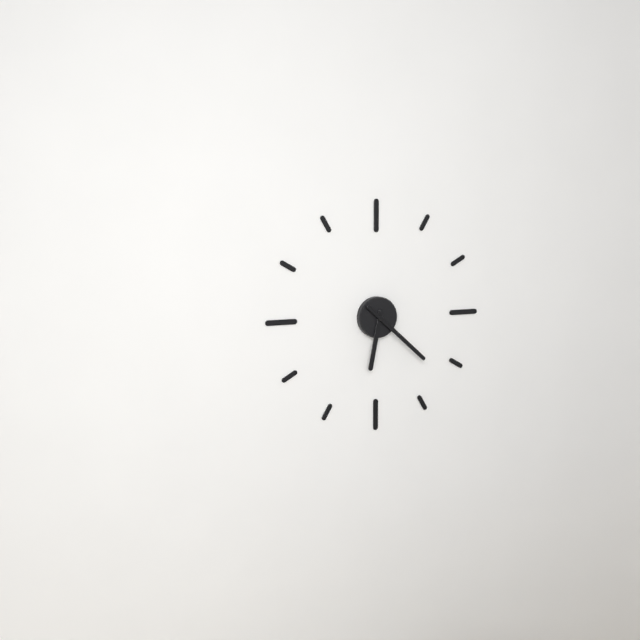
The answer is 6:22
